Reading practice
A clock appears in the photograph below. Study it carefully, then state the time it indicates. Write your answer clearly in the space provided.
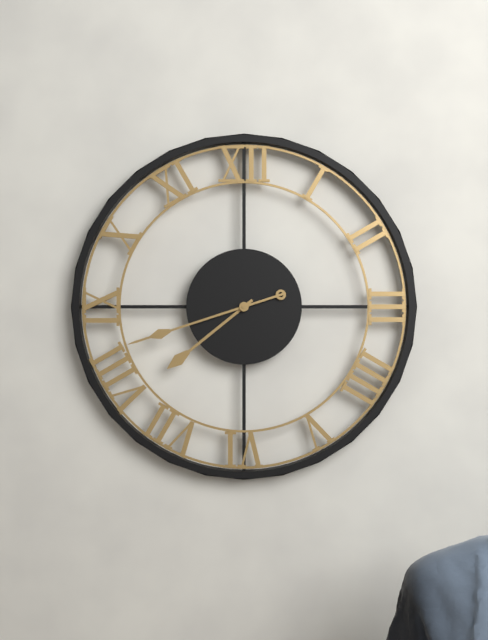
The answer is 7:42
